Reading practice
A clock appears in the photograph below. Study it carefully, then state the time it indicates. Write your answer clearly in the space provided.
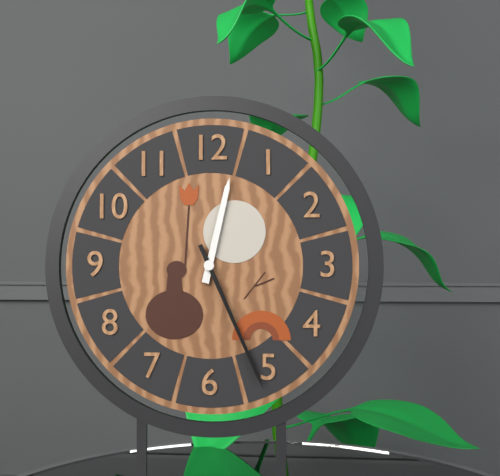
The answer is 12:26
